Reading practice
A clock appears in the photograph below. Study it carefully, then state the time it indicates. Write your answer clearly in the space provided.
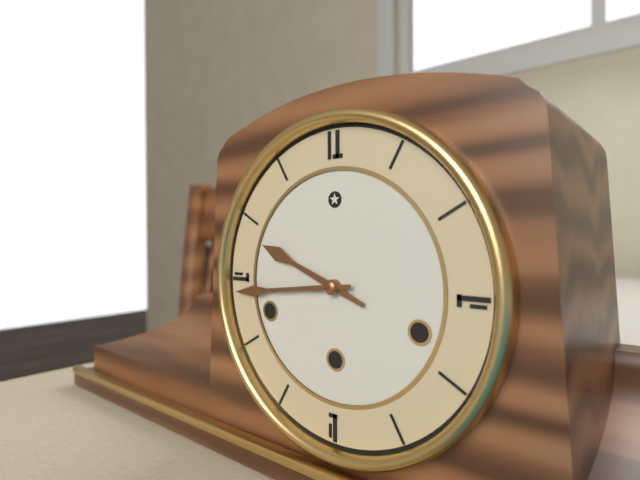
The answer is 9:44
